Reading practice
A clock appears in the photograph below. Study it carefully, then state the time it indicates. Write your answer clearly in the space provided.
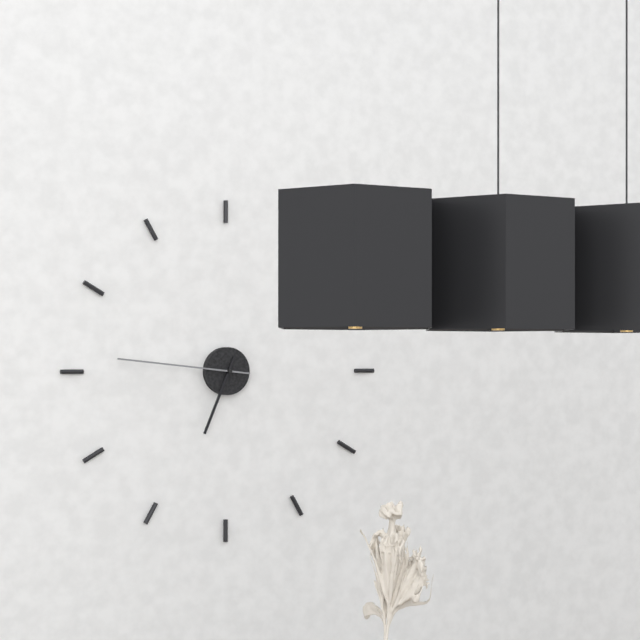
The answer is 6:46
